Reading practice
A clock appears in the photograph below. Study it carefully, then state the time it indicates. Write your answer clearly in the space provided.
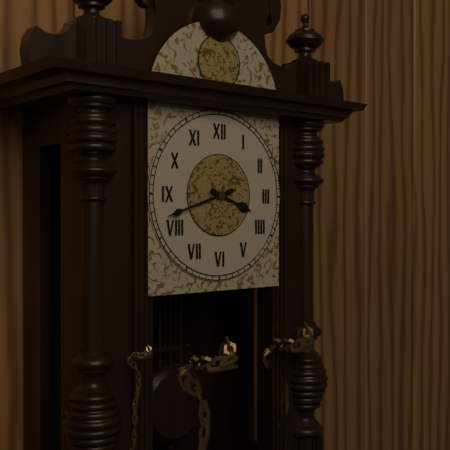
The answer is 3:42
